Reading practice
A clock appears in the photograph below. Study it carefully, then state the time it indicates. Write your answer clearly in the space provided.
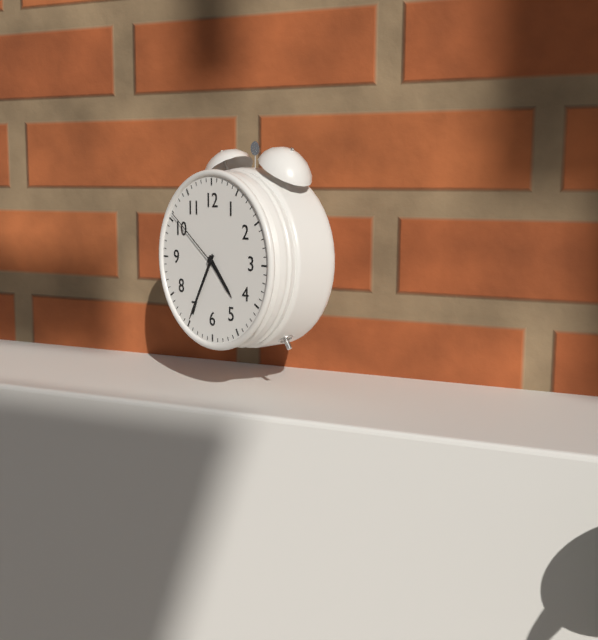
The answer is 4:35:51
